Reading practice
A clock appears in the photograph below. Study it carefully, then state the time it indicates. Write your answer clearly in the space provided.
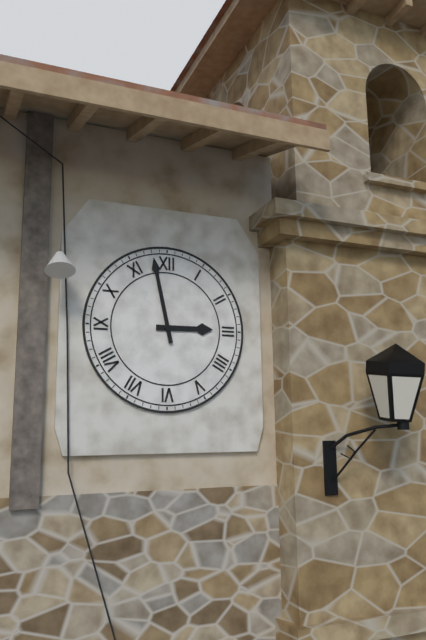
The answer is 2:58
